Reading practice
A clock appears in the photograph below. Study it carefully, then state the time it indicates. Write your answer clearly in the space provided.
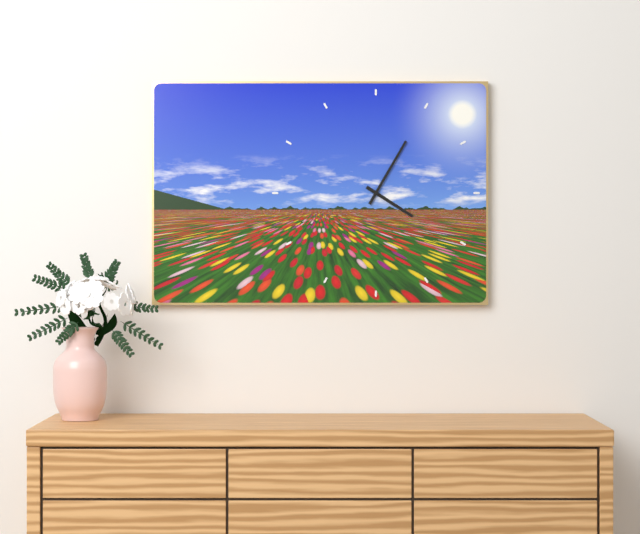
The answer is 4:05
